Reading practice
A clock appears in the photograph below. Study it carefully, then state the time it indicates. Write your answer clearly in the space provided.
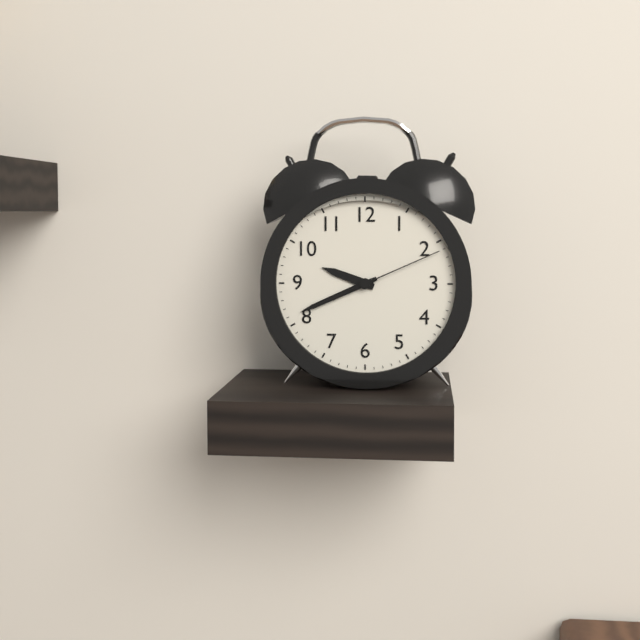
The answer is 9:41:11
